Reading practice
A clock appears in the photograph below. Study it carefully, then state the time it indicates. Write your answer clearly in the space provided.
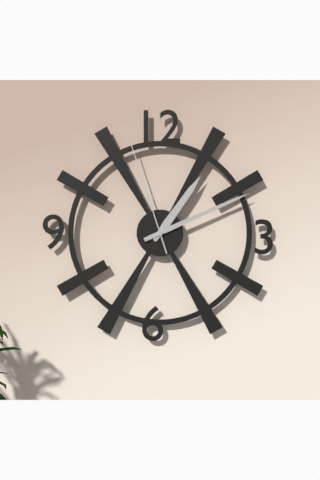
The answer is 1:11:57
